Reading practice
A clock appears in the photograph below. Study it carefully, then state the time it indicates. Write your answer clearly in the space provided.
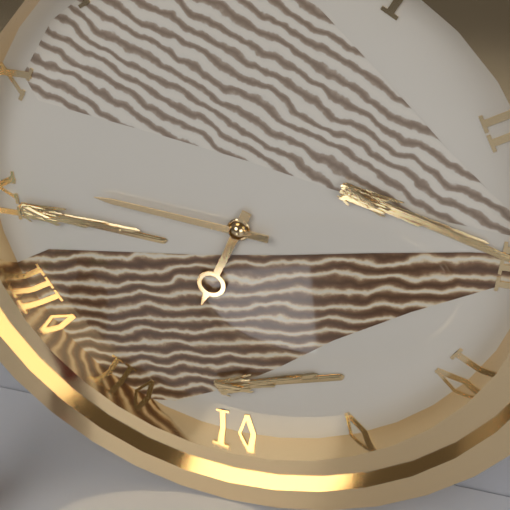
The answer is 6:46
